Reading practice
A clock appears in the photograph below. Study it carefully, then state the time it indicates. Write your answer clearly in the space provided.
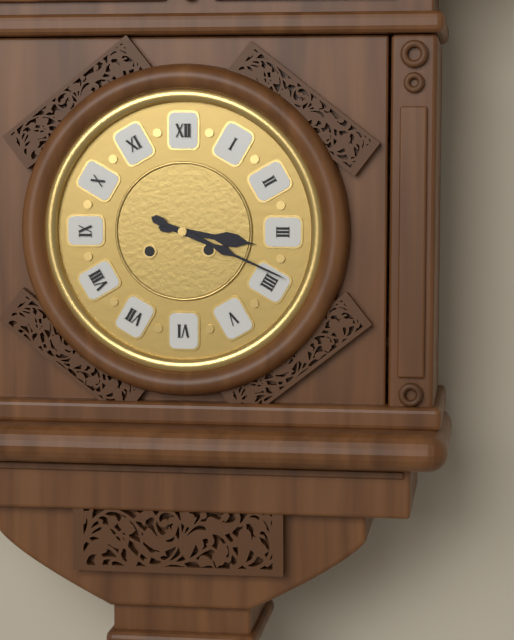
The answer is 3:19
